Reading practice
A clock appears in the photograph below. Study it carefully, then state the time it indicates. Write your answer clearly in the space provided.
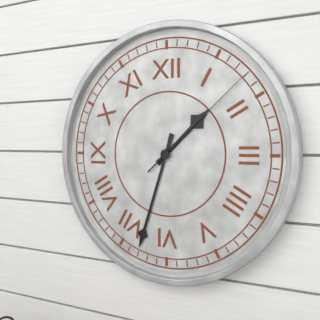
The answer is 1:33:08
